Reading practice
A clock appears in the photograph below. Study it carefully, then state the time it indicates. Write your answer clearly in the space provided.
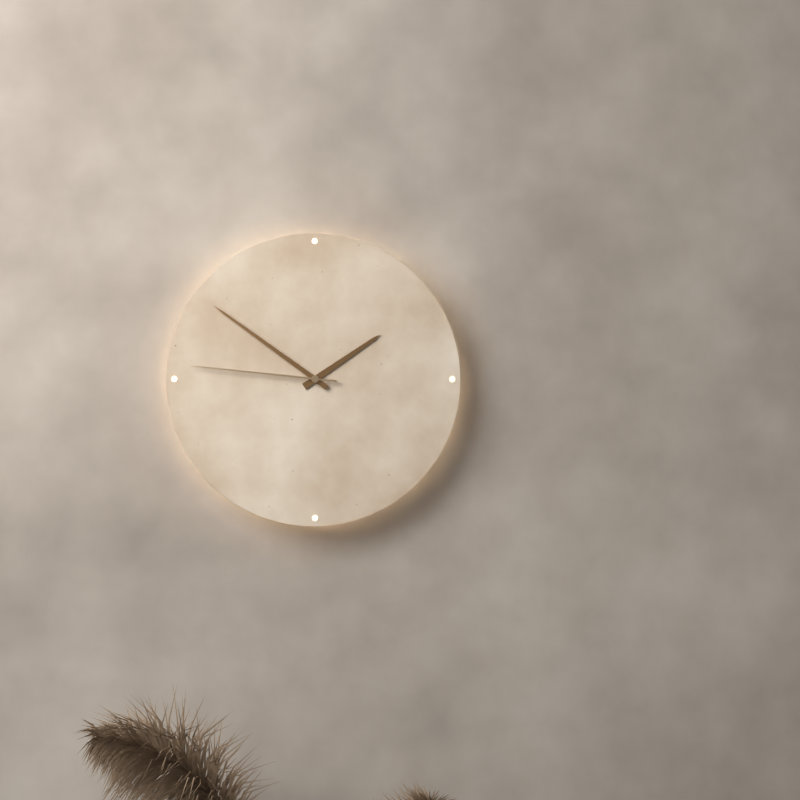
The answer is 1:51:46
